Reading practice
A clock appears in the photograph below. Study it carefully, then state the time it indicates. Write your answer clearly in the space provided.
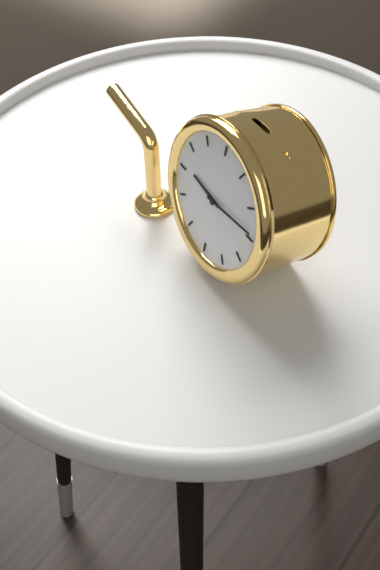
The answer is 9:14
